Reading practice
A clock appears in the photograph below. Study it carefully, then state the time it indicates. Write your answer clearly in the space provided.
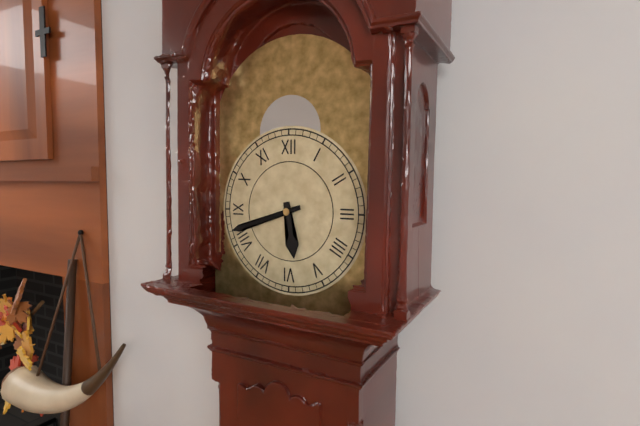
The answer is 5:42
